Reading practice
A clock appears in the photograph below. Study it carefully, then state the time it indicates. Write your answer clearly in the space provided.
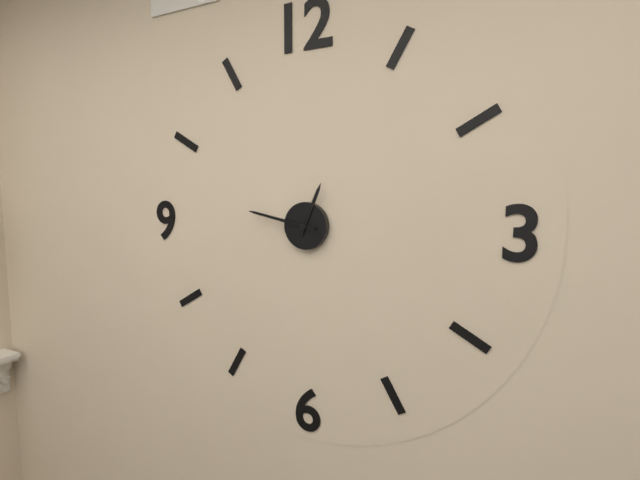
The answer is 12:47
